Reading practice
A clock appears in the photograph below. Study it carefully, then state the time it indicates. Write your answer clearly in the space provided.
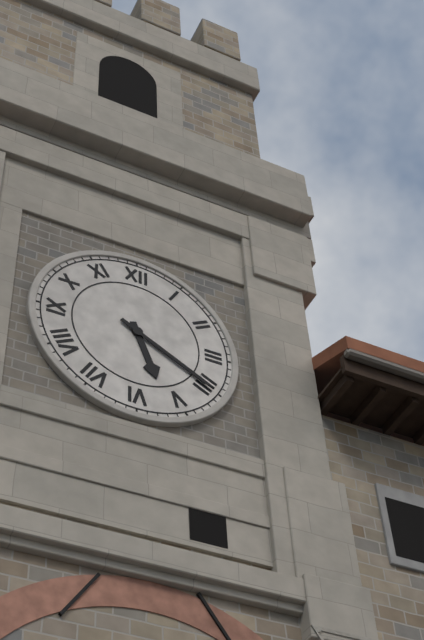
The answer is 5:20
